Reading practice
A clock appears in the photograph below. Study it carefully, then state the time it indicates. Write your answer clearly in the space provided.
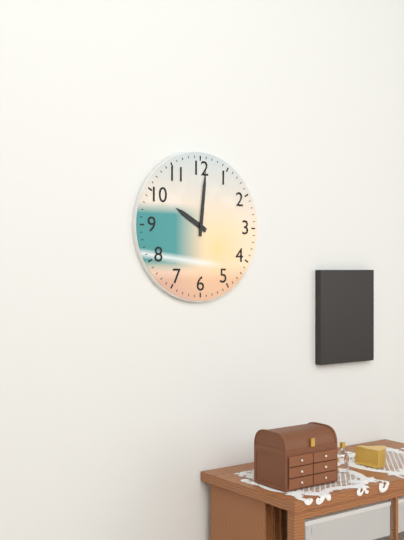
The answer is 10:01
